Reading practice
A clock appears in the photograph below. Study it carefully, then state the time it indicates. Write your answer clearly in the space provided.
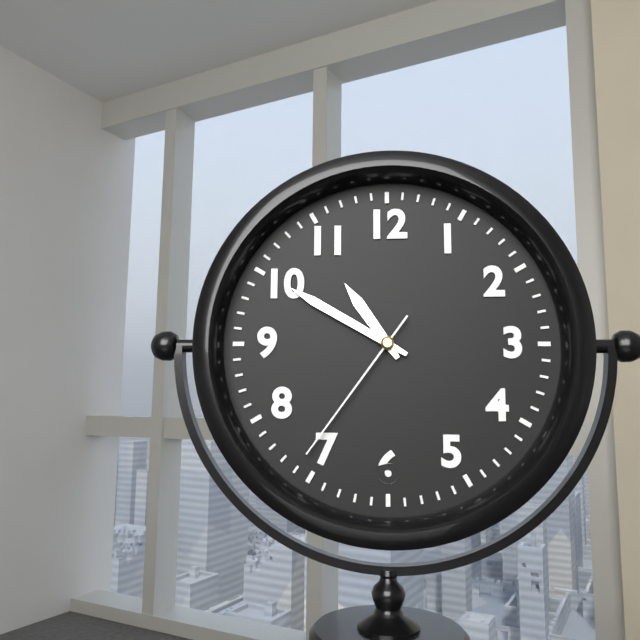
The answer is 10:50:36
